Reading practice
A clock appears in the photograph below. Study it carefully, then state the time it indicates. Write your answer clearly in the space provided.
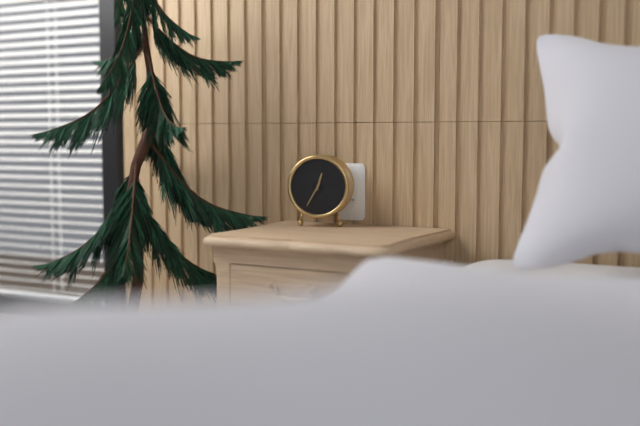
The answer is 12:35
